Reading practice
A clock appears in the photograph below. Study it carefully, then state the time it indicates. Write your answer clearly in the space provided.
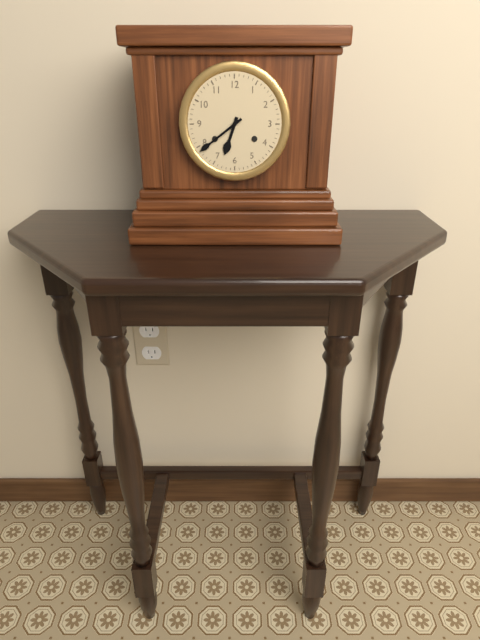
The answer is 6:39
